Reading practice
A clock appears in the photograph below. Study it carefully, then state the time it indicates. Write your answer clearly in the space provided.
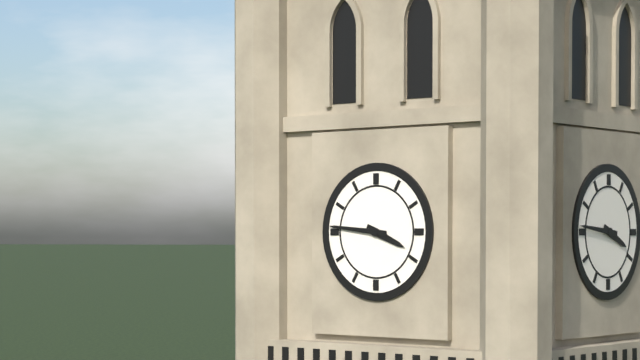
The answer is 3:46
